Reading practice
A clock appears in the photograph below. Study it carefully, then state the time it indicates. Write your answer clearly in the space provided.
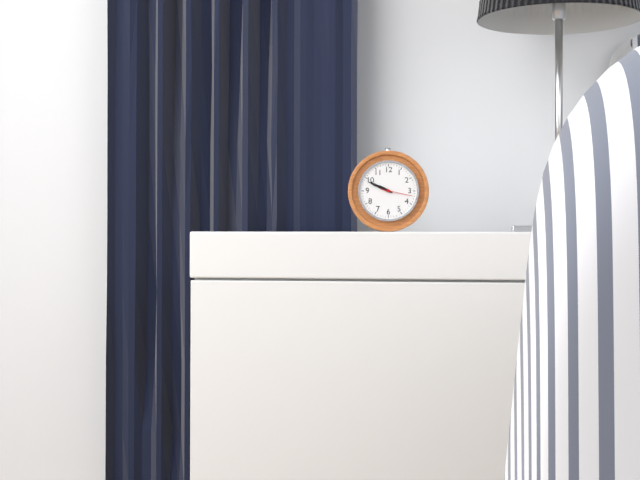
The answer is 9:49
